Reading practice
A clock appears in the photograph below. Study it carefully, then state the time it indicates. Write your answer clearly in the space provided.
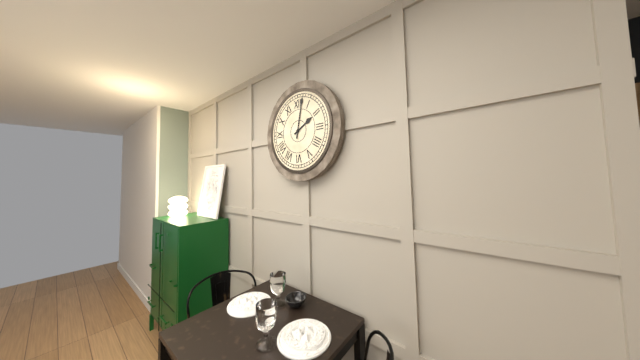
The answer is 2:02
